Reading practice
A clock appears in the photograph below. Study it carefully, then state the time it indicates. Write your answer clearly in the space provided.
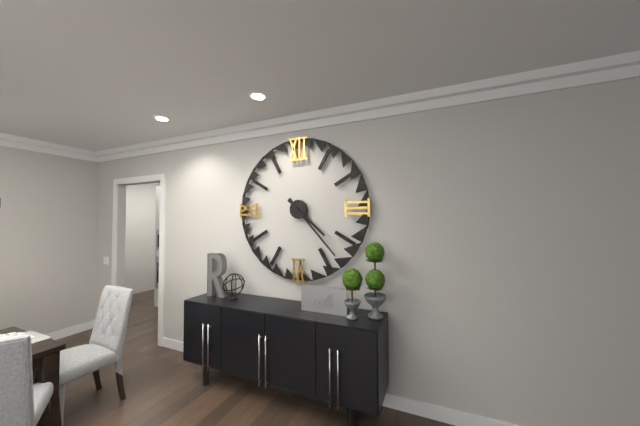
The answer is 4:23
